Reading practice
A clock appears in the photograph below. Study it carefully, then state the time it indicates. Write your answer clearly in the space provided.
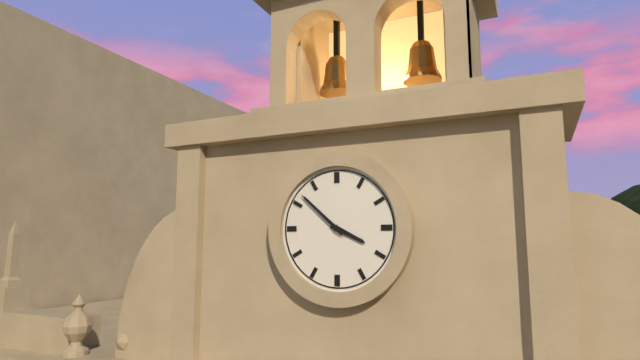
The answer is 3:52
